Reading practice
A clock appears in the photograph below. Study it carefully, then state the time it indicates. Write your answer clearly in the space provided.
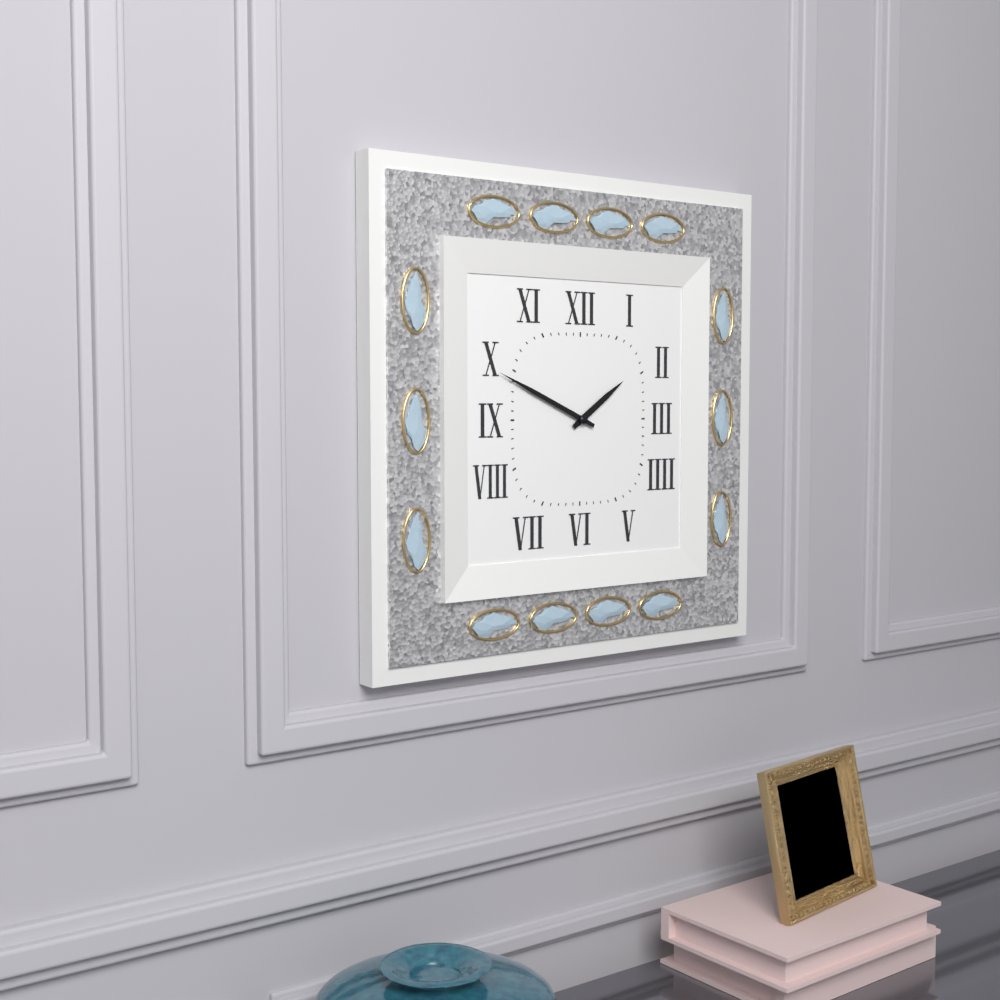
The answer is 1:49
